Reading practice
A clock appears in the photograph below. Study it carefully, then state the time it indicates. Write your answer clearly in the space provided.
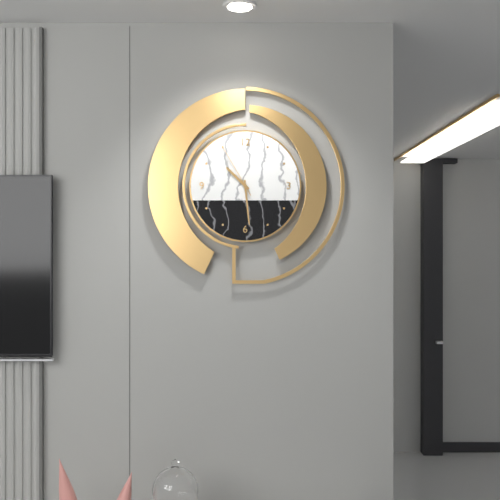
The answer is 10:29:55
